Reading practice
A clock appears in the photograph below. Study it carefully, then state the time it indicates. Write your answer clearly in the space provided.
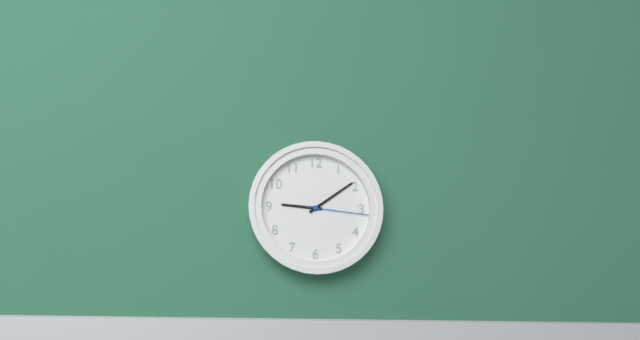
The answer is 9:09:16
